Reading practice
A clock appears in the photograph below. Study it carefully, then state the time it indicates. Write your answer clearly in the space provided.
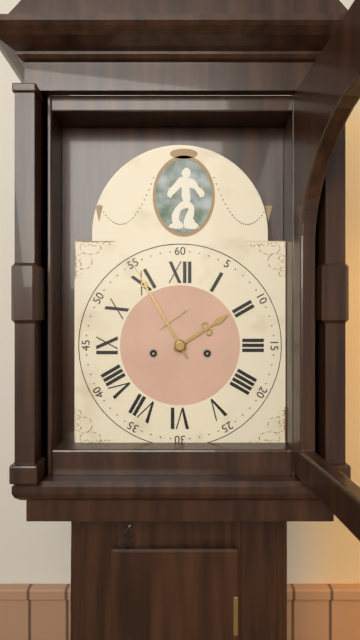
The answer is 1:55
